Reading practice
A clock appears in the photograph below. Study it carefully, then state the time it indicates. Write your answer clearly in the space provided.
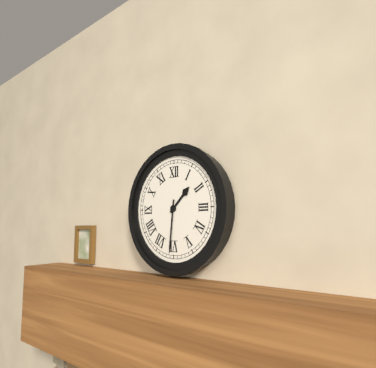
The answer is 1:31
